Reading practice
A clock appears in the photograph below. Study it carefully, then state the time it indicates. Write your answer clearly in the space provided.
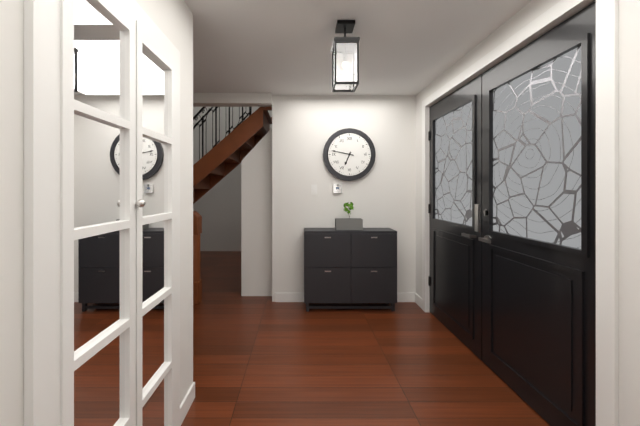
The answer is 6:47
